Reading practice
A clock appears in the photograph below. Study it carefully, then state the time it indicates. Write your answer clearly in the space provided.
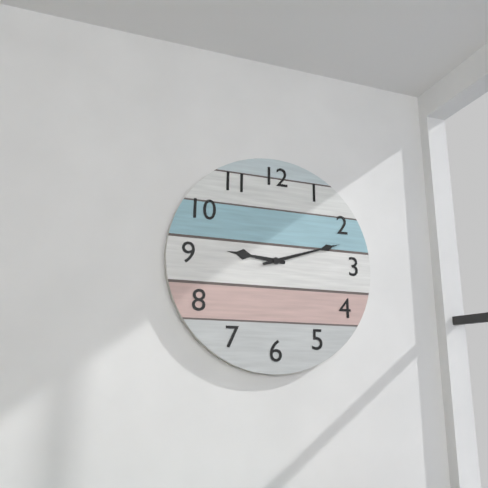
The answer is 9:12
